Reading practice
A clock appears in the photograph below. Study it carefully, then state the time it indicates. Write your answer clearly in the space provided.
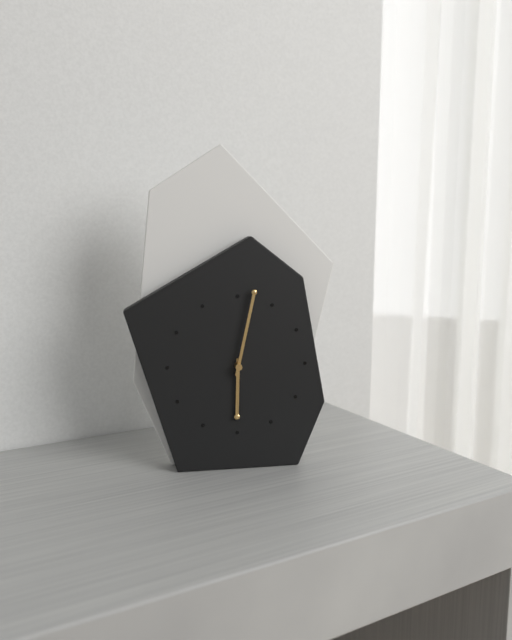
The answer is 6:02
